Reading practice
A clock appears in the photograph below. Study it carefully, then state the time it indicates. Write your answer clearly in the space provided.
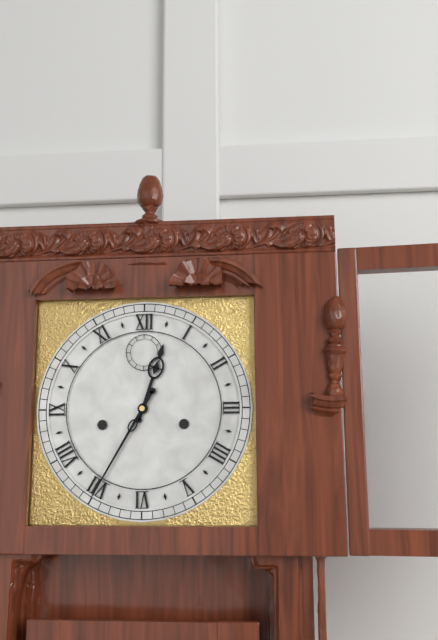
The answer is 12:35
